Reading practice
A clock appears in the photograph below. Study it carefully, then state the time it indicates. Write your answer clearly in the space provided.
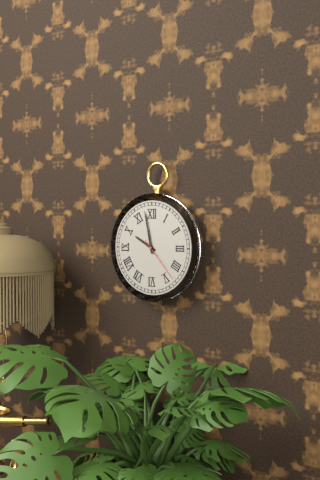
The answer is 9:58
